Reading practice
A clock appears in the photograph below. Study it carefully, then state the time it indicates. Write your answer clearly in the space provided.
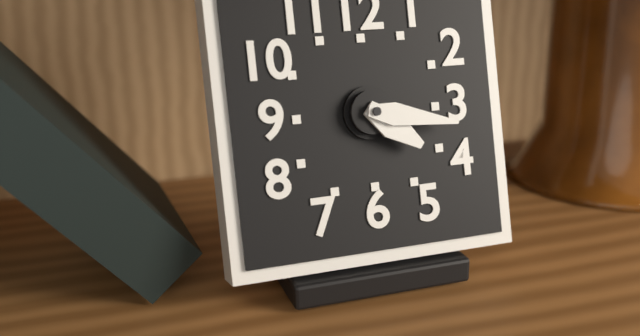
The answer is 4:17
